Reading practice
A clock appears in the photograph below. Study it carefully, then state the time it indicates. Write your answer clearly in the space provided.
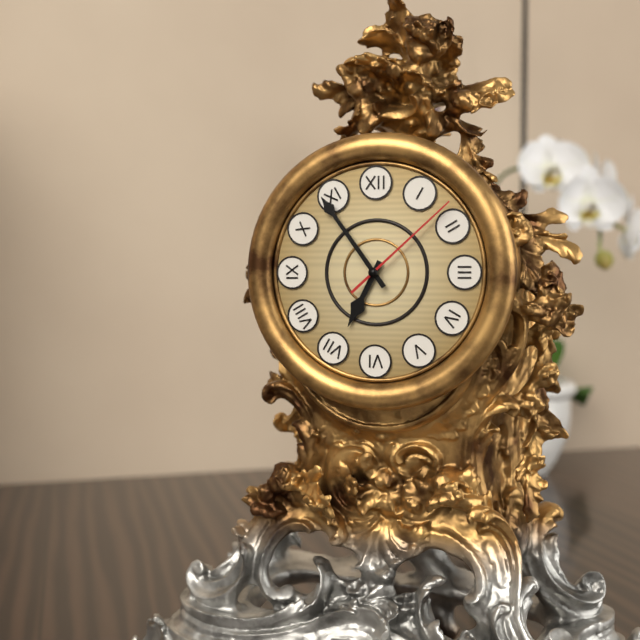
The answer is 6:54:08
